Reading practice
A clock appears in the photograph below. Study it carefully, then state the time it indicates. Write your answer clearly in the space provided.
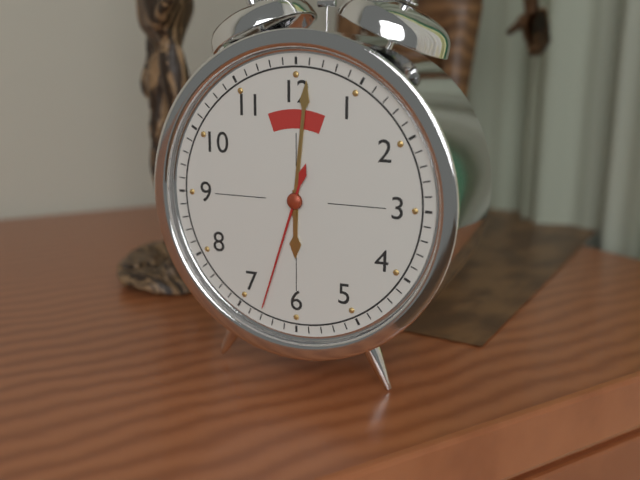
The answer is 6:01:33
